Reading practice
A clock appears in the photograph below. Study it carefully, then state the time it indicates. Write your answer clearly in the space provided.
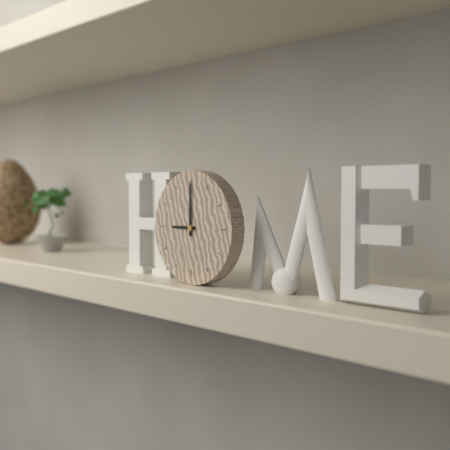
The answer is 9:00
